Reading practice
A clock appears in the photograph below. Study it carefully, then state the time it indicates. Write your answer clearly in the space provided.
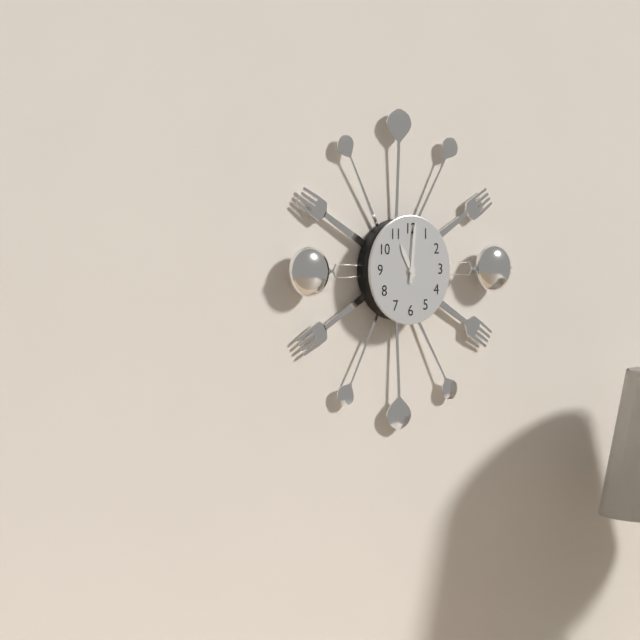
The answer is 11:01
